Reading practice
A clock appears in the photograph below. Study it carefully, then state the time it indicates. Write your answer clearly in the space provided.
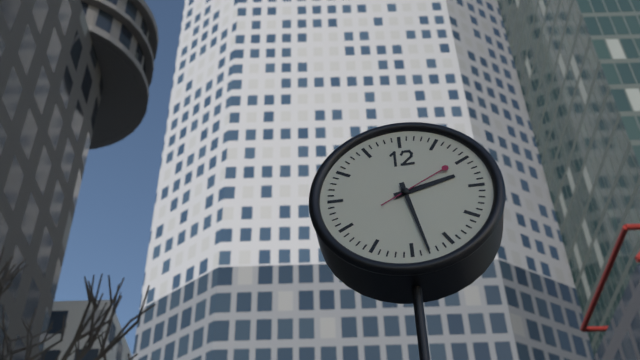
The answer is 2:28:10
